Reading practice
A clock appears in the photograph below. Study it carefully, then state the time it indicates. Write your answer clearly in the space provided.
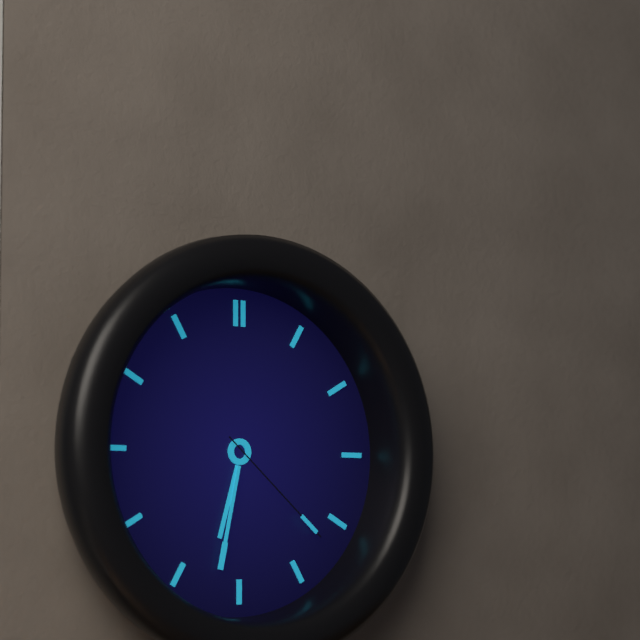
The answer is 6:32:22
